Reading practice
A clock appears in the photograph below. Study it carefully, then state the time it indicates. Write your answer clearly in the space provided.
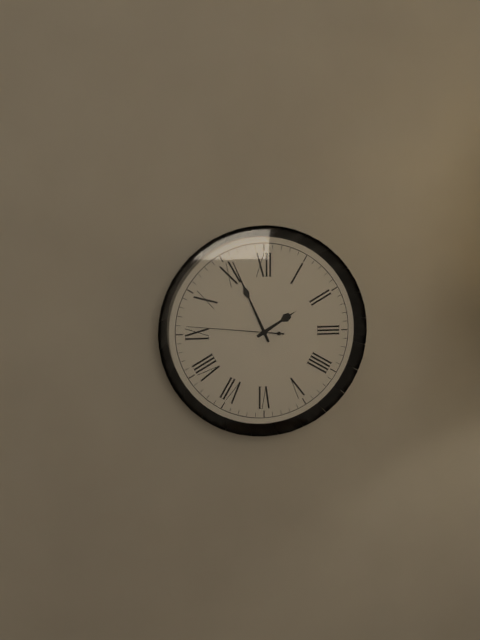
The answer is 1:56:46
